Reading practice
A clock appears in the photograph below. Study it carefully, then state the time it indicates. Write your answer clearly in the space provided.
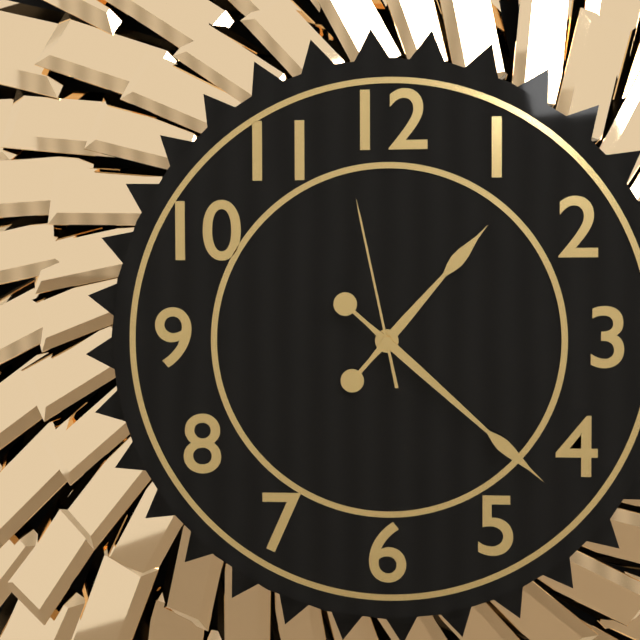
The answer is 1:22:58
